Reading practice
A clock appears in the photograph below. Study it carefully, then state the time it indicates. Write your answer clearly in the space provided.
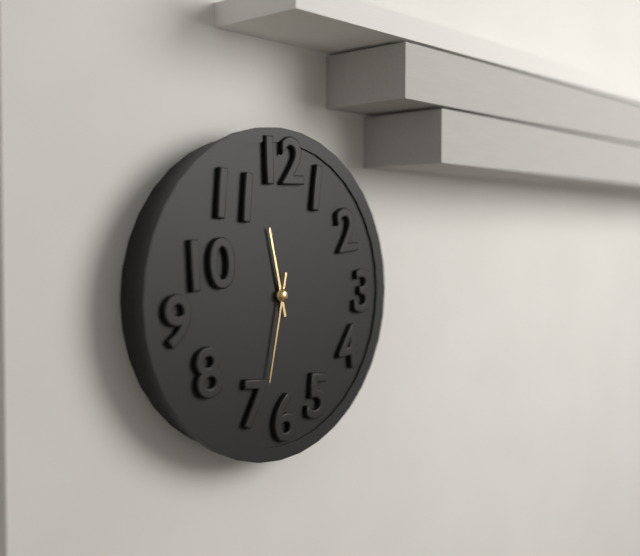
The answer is 11:32
